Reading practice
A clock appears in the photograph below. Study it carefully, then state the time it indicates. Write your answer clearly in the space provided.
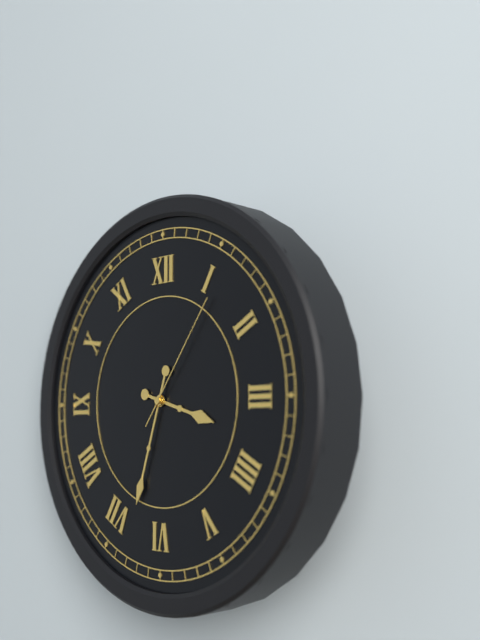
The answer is 3:33:06
